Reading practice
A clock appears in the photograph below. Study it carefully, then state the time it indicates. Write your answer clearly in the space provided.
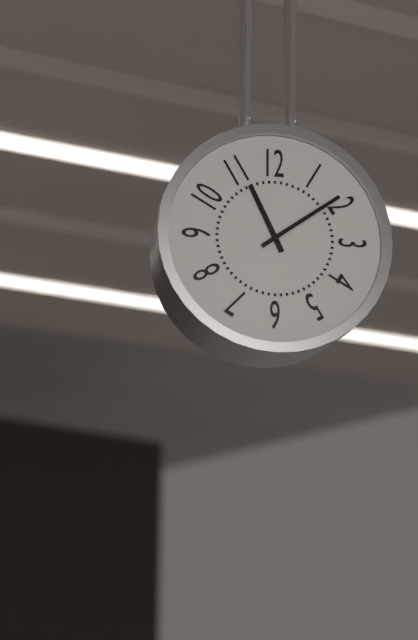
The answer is 11:09
